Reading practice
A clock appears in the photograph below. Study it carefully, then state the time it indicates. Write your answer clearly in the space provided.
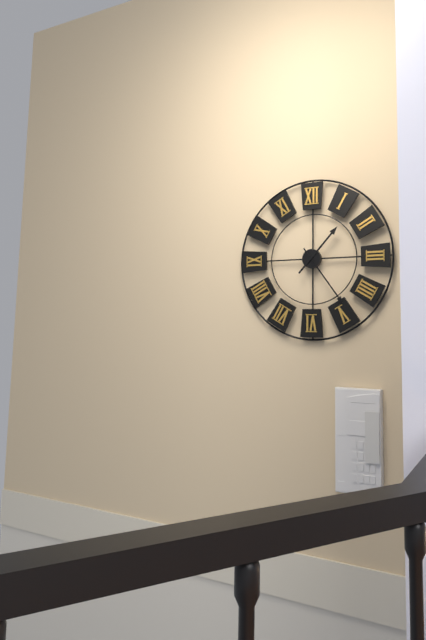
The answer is 1:24
